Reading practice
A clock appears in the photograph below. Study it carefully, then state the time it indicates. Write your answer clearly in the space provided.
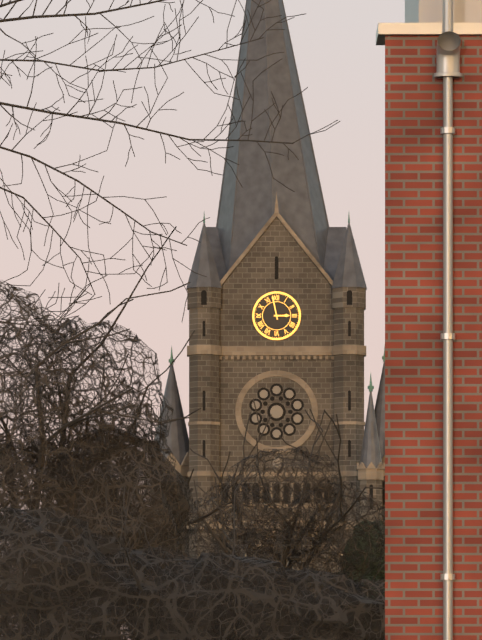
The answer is 2:58
